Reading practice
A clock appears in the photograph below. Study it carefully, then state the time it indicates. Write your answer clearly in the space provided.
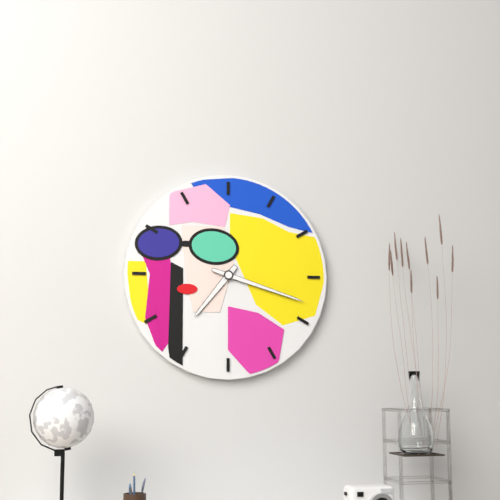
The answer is 7:18
